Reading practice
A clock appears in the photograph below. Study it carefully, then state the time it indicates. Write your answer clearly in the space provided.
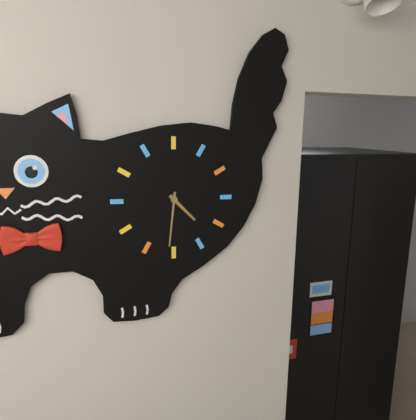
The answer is 4:31
